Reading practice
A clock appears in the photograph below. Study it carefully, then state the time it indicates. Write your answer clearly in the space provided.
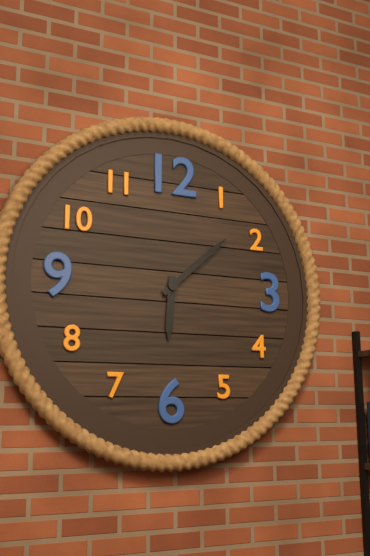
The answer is 6:08
